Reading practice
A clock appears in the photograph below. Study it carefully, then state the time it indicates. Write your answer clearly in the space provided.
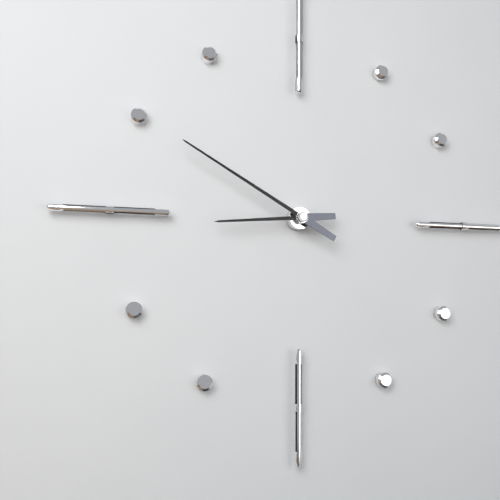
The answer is 8:50
